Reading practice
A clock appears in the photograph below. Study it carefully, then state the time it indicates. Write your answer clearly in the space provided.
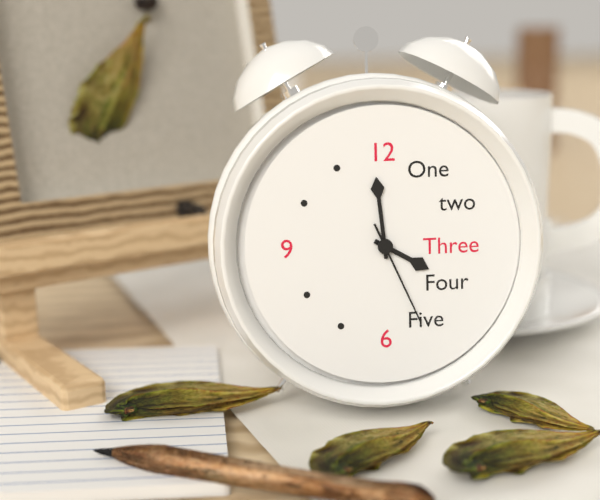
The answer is 3:59:26
